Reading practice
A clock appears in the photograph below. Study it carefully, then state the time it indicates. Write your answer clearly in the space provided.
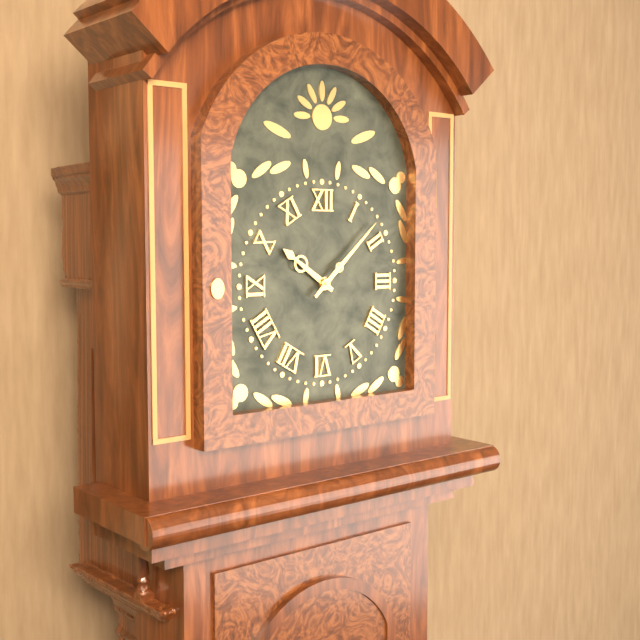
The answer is 10:08
